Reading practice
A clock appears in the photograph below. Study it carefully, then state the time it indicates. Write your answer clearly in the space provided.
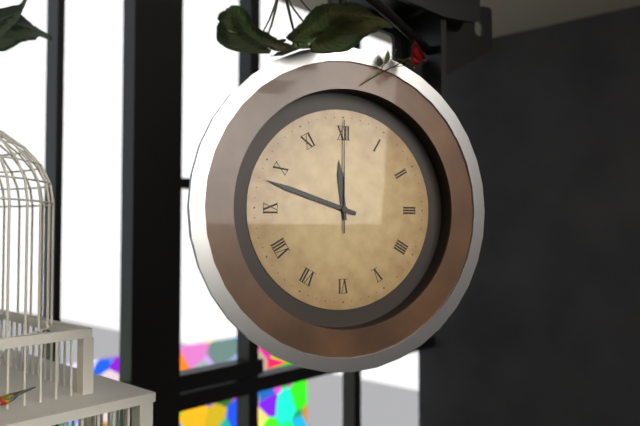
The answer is 11:48:00
